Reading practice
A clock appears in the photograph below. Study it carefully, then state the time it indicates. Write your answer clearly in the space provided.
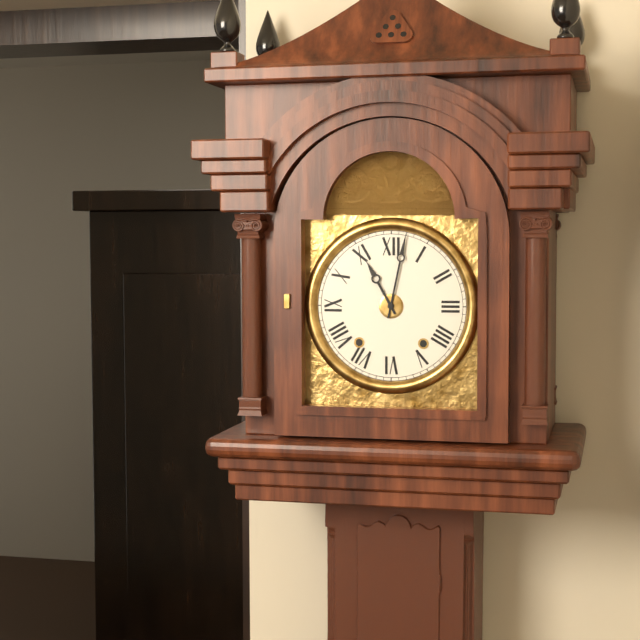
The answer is 11:02
